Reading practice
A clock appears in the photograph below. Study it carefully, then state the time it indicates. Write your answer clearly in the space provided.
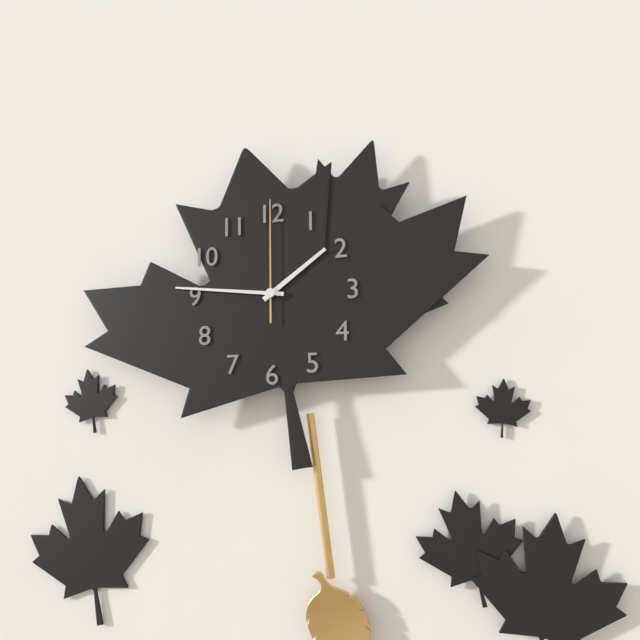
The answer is 1:46:00
